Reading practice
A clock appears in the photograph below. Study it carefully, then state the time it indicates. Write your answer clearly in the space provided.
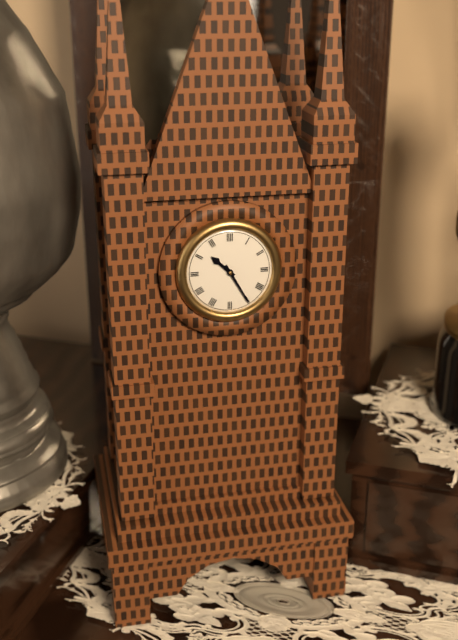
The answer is 10:25
